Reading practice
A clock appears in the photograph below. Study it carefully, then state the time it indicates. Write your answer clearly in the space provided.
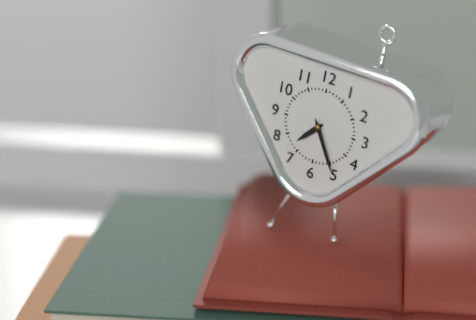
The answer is 7:25
